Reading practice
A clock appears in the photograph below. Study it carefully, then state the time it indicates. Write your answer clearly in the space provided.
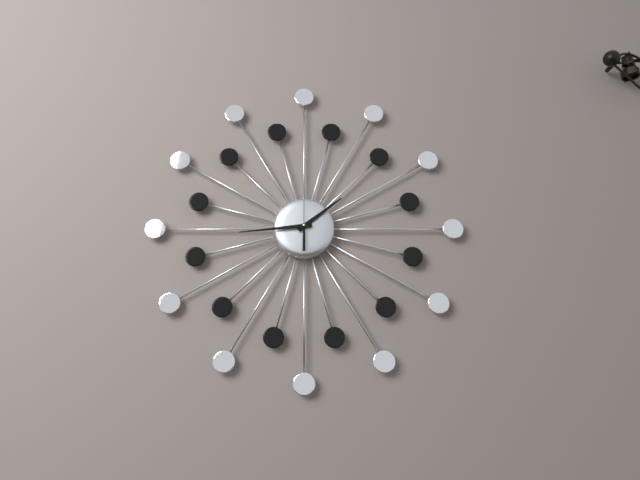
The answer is 1:44:00
